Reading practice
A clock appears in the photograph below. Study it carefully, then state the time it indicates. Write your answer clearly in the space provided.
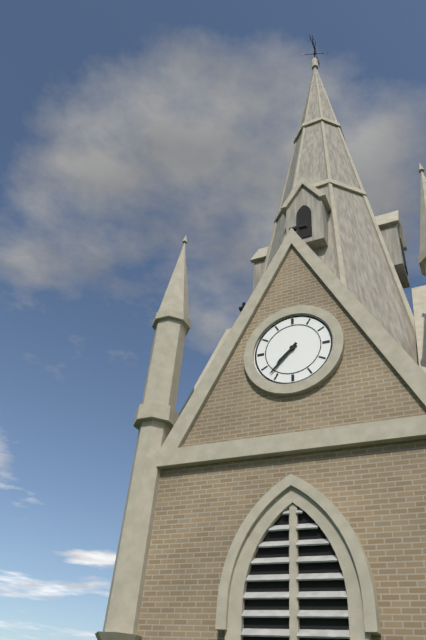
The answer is 7:37
